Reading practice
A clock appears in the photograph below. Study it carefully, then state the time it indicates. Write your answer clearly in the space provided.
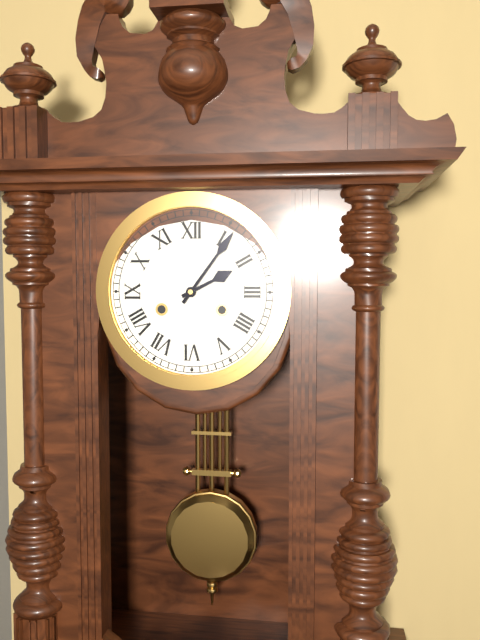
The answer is 2:06
